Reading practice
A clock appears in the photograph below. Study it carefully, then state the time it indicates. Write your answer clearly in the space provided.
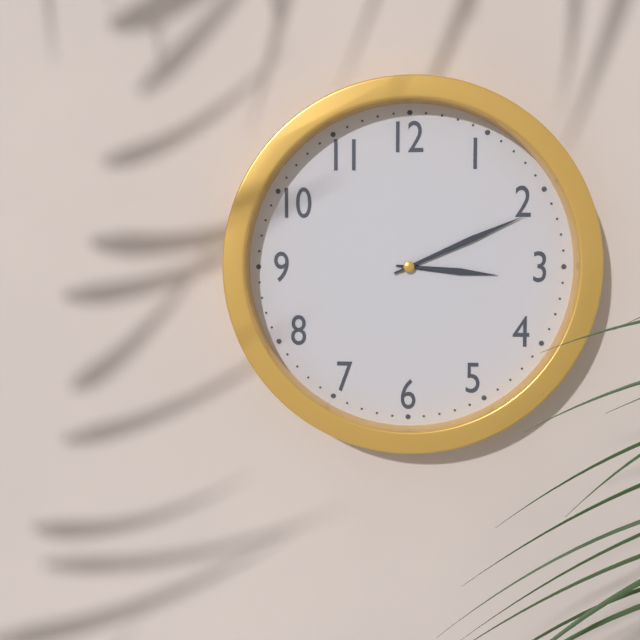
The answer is 3:11
